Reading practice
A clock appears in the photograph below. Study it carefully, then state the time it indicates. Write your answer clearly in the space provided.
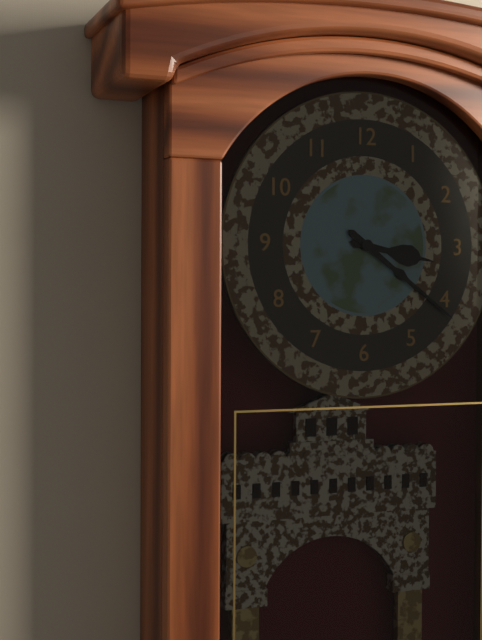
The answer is 3:21
